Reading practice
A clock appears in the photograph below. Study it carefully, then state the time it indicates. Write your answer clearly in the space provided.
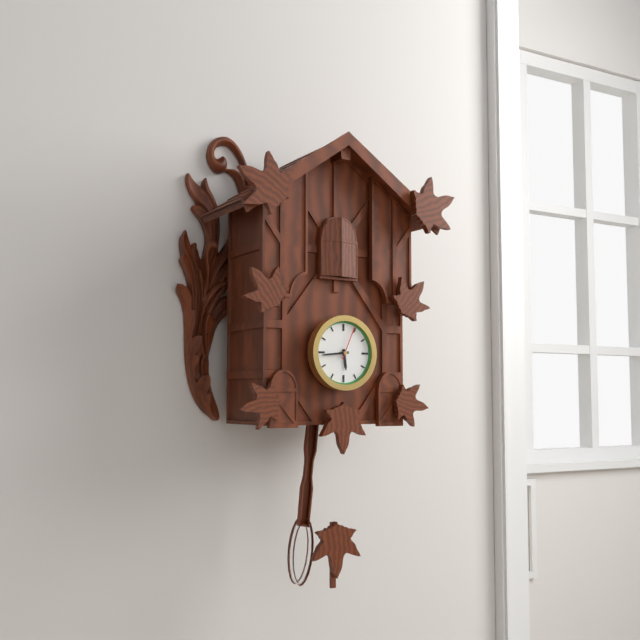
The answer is 5:44
